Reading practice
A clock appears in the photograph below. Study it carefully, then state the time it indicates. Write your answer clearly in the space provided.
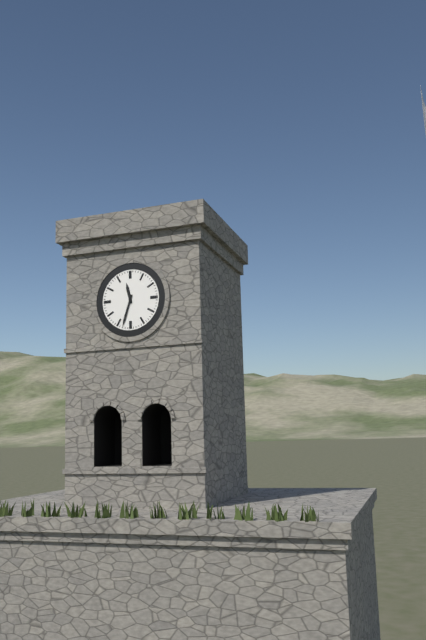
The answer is 11:33
